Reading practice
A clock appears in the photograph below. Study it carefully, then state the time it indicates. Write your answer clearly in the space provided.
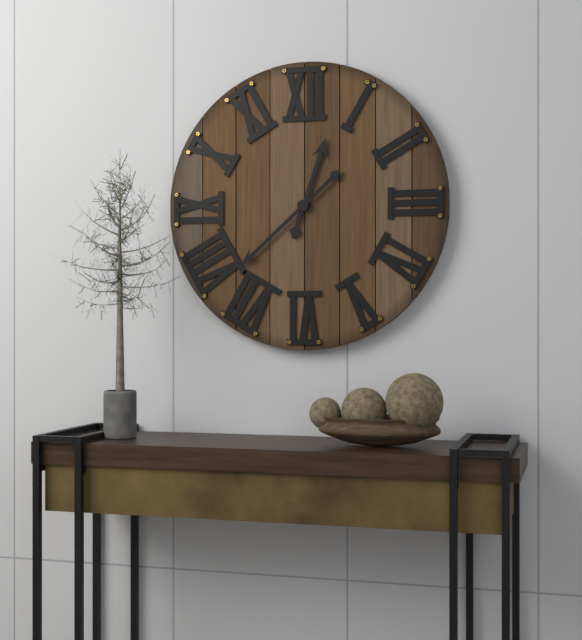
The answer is 12:38
